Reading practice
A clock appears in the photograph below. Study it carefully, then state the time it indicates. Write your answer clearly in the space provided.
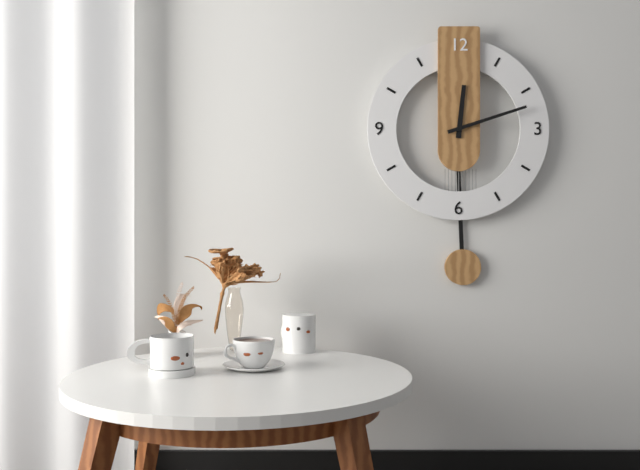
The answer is 12:12
